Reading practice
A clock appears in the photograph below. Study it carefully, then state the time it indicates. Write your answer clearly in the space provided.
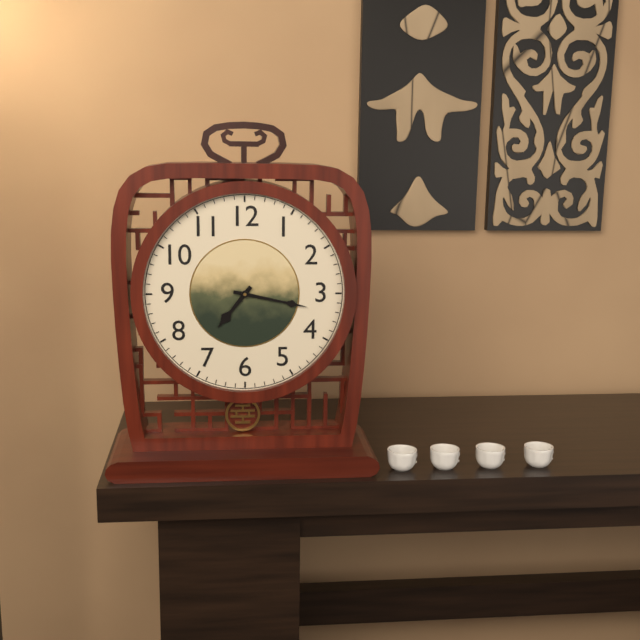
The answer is 7:17
